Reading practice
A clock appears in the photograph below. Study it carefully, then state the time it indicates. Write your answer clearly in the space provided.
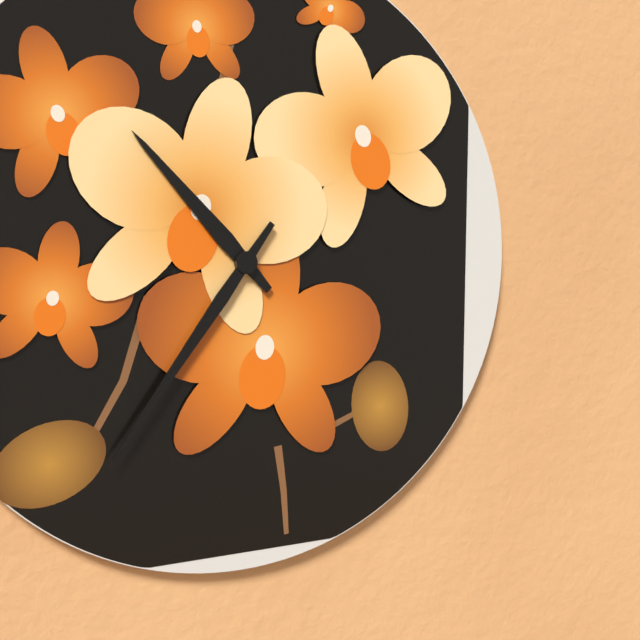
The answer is 10:36
